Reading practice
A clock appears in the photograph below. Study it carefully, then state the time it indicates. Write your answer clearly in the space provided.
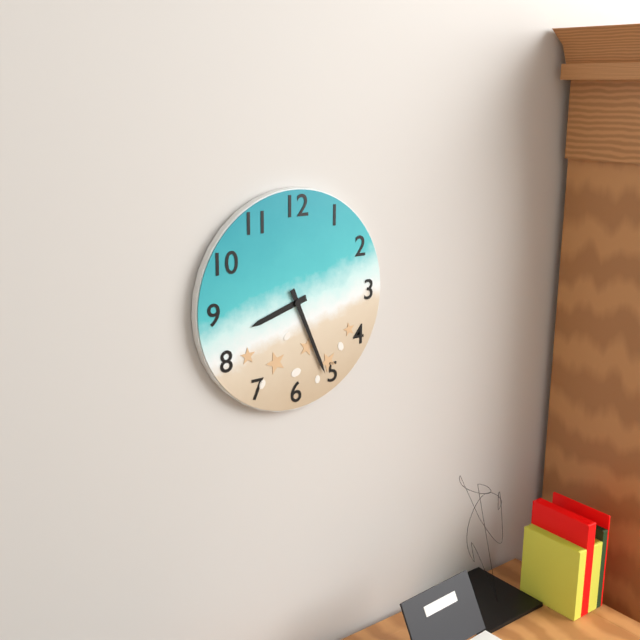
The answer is 8:26
